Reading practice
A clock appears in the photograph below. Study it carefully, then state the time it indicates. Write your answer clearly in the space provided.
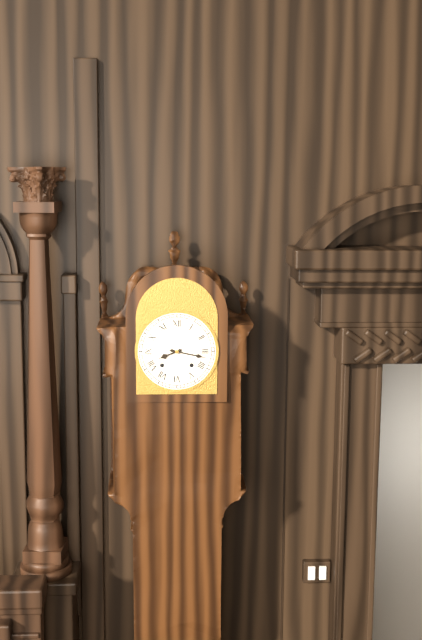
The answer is 8:17
